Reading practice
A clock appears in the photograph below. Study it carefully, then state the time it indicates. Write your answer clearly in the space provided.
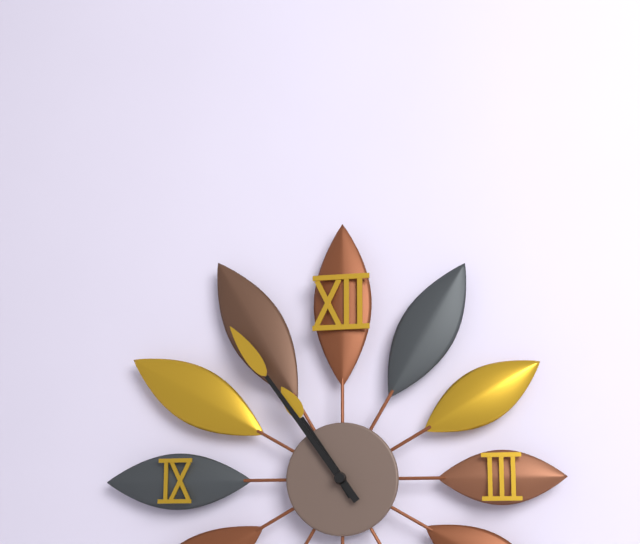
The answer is 10:54
